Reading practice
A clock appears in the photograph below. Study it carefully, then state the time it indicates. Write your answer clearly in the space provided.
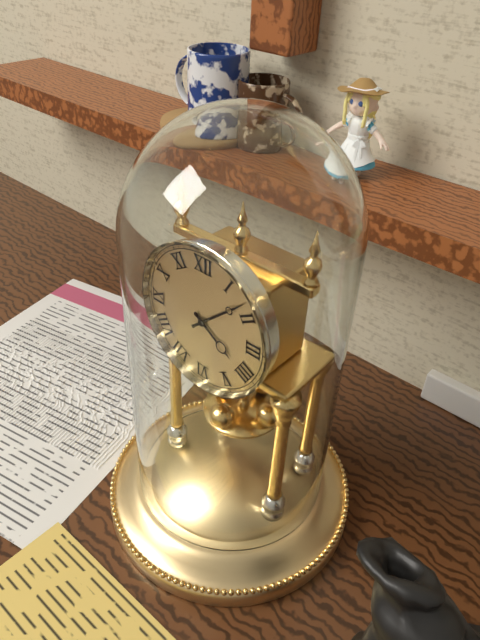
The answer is 4:08
